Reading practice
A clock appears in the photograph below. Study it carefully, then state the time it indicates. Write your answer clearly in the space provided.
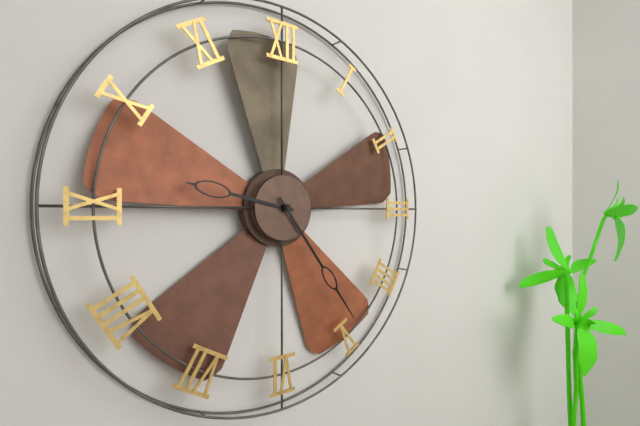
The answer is 9:24
